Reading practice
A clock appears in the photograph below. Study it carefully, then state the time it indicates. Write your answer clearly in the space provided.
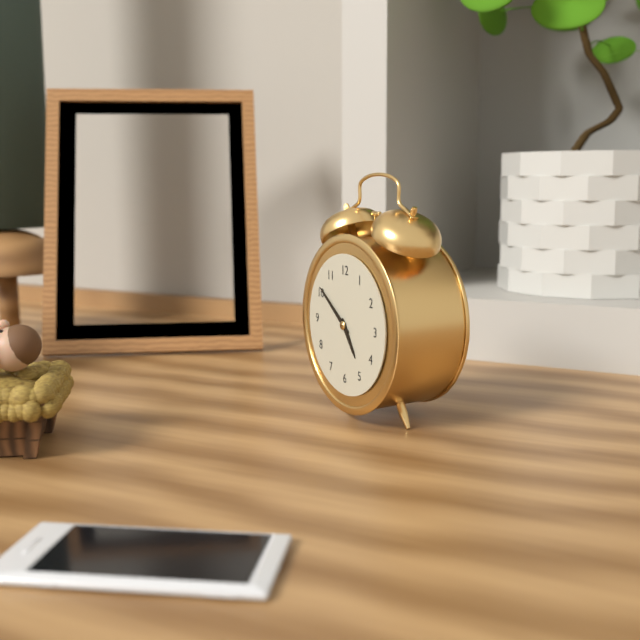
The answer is 4:51
